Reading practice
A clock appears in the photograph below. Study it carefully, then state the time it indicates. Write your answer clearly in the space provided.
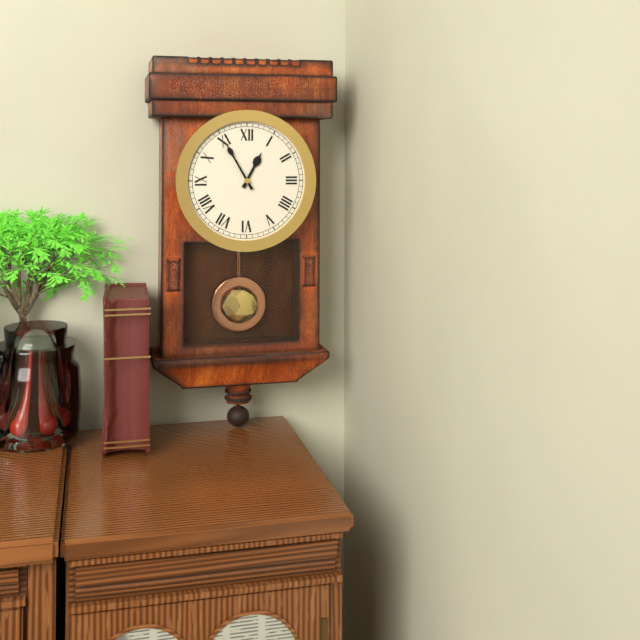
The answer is 12:55
